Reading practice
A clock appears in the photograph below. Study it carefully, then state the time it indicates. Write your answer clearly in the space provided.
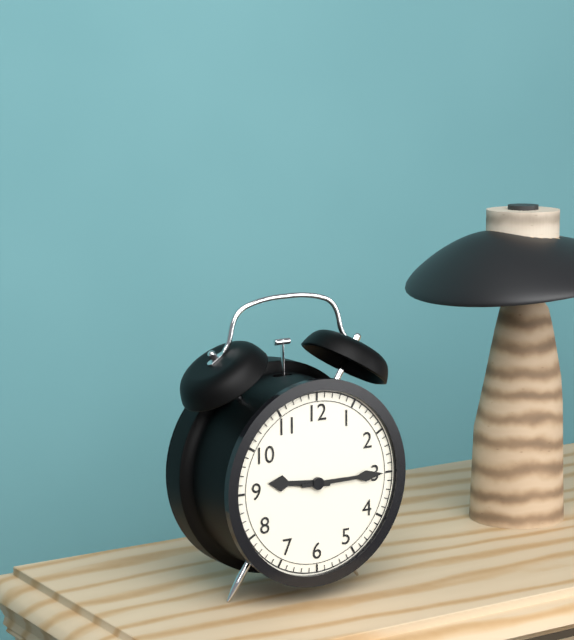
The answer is 9:15
